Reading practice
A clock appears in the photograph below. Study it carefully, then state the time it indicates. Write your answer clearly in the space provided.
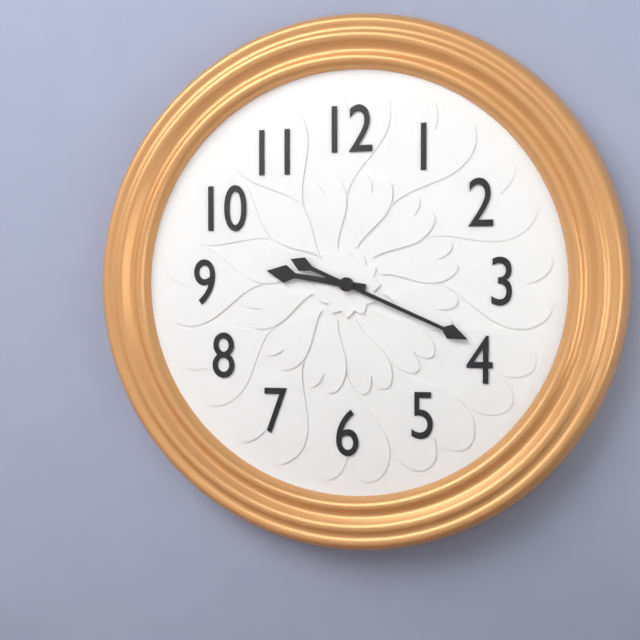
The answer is 9:19
